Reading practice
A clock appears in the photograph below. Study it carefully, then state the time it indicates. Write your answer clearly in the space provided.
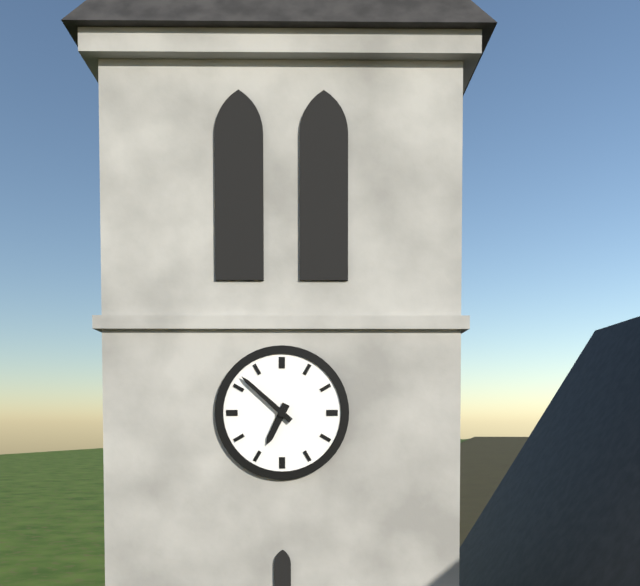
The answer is 6:52
